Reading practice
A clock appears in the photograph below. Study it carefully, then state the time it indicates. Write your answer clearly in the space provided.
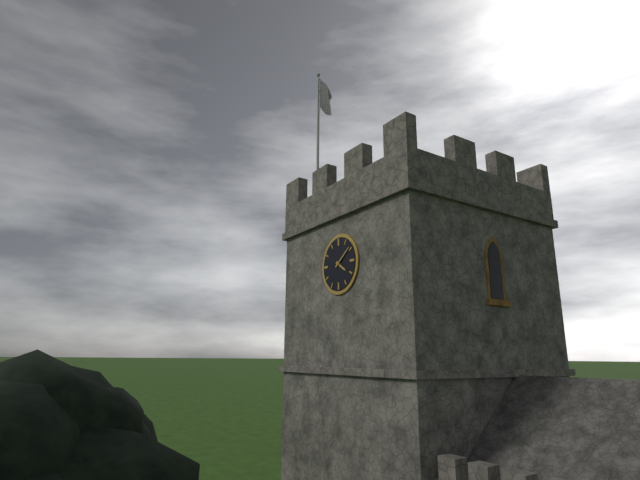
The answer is 4:09
